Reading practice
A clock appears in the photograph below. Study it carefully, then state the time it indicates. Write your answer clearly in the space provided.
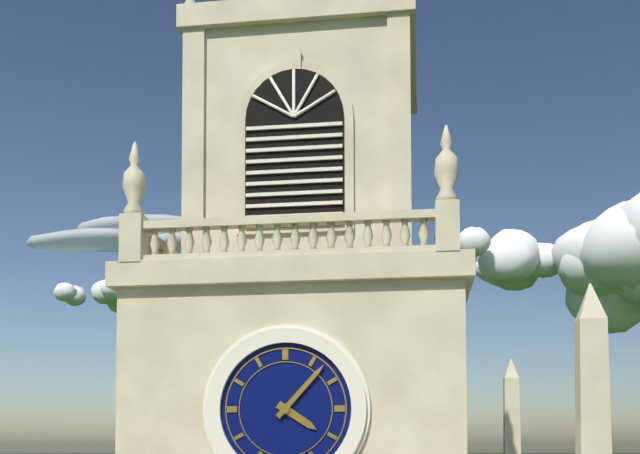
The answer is 4:07
